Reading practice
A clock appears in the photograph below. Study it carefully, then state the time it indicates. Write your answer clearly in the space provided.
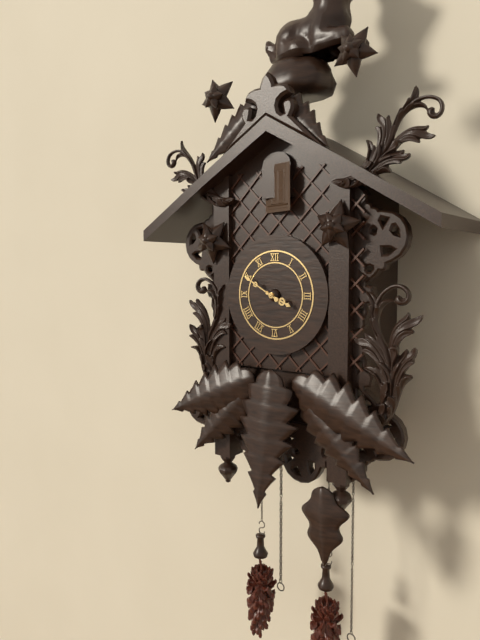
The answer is 3:50
